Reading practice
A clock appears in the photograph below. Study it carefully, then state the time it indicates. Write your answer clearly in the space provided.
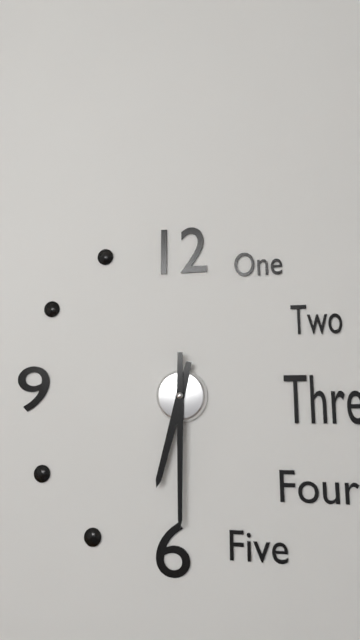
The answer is 6:30
